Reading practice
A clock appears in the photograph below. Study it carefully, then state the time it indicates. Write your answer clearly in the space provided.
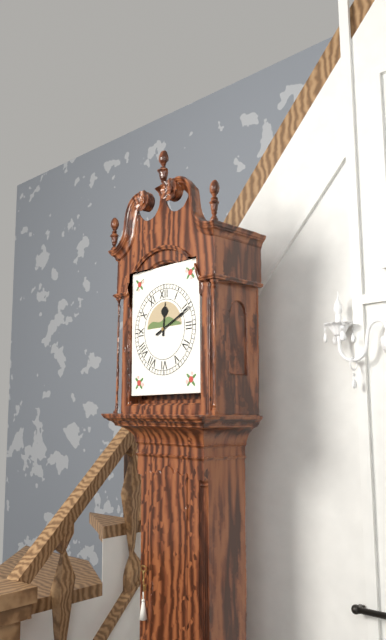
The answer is 12:11
